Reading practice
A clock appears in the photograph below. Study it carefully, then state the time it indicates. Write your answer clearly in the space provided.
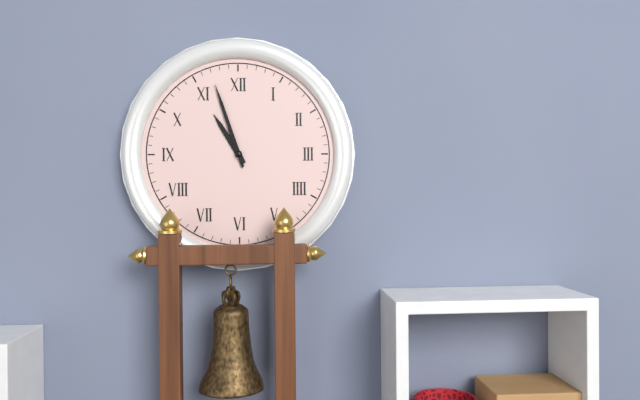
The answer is 10:57
